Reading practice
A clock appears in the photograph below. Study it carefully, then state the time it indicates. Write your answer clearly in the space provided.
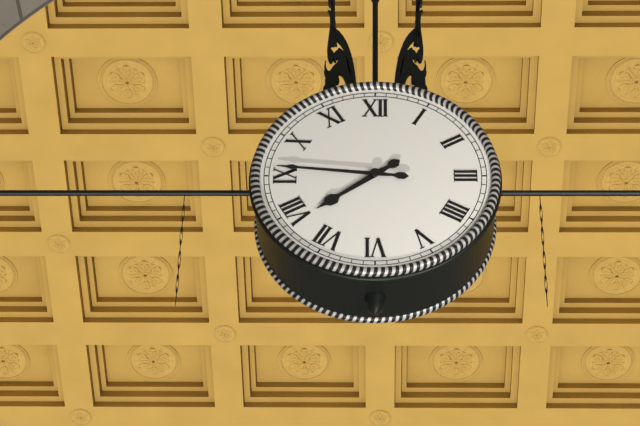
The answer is 7:46
